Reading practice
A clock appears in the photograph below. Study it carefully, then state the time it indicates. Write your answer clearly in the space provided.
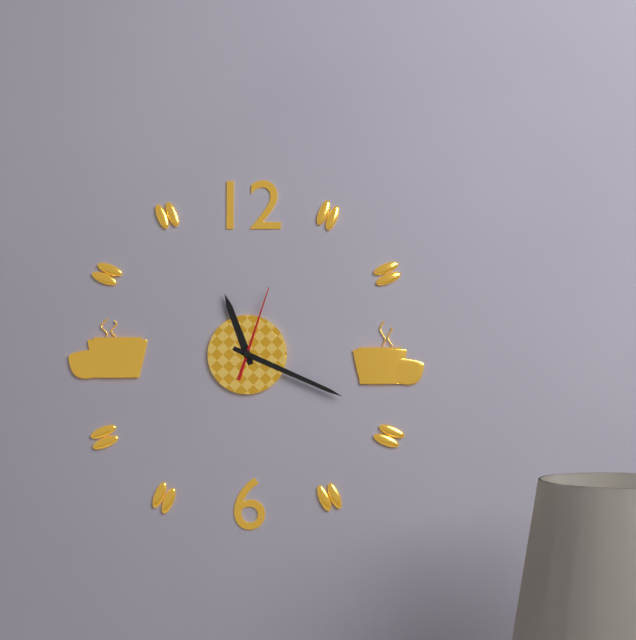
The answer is 11:19:03
